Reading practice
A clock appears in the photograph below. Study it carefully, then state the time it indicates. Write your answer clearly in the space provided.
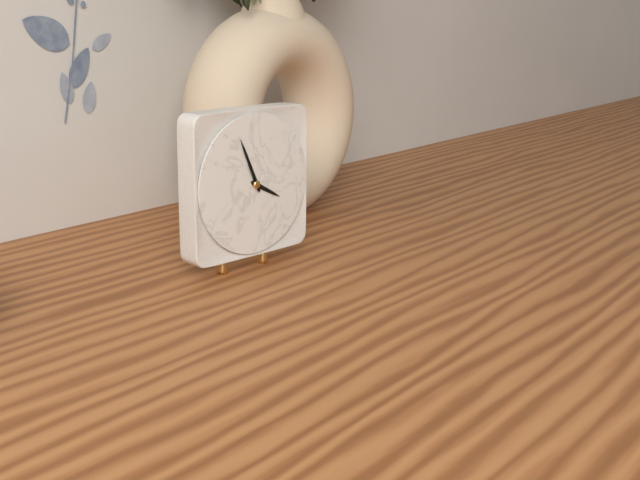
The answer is 3:56
